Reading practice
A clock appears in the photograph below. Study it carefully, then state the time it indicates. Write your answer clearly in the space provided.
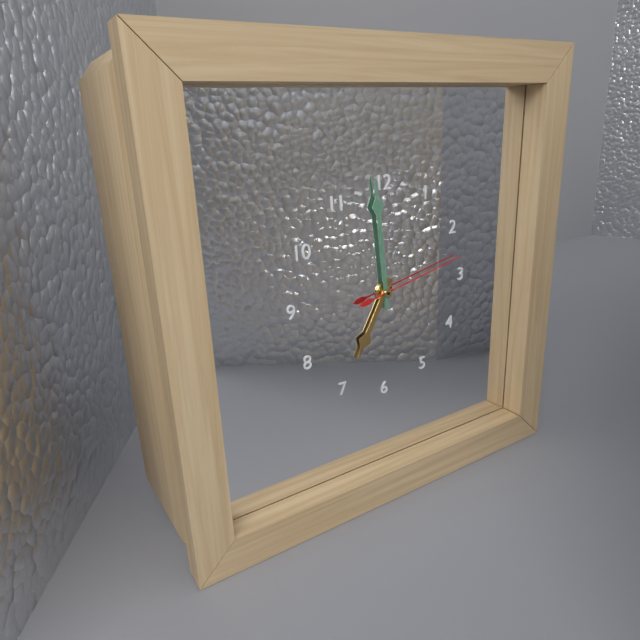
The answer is 6:59:13
